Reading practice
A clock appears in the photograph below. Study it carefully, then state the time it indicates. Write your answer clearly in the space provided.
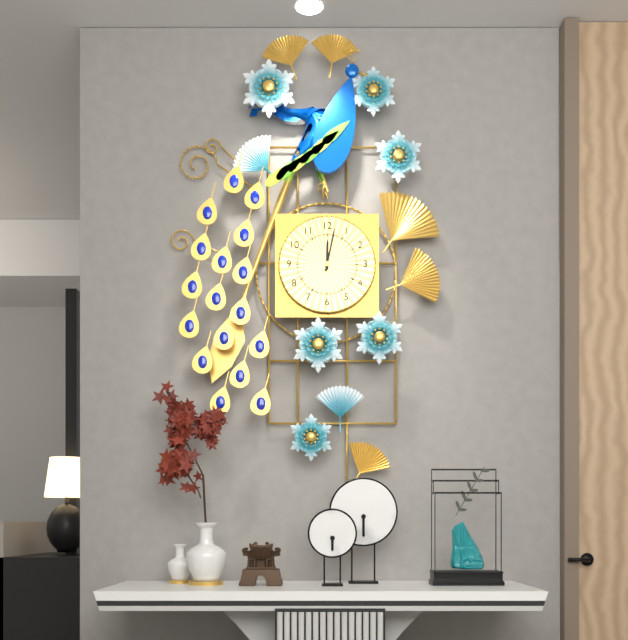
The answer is 12:02
